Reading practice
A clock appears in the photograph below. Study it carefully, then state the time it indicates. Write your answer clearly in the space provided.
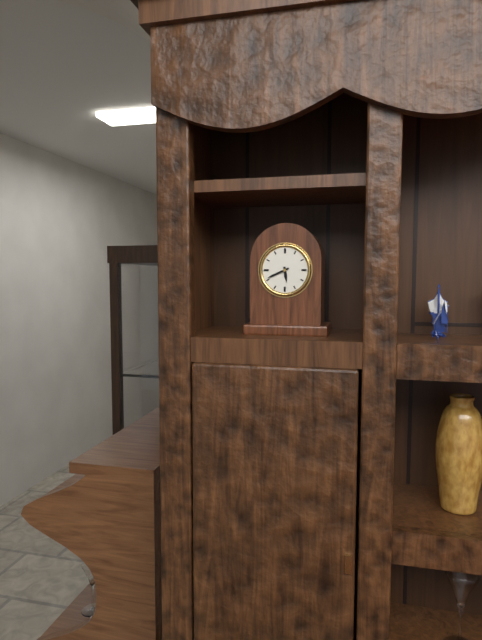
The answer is 5:41
